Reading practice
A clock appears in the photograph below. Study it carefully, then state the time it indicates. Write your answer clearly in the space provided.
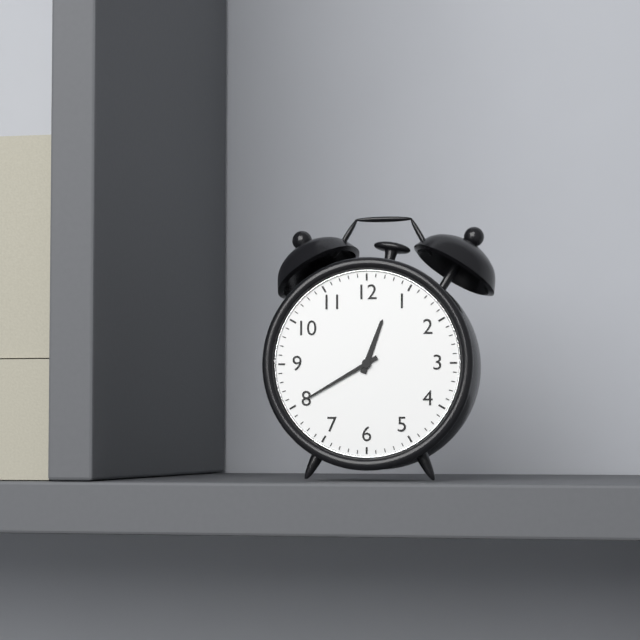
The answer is 12:40
